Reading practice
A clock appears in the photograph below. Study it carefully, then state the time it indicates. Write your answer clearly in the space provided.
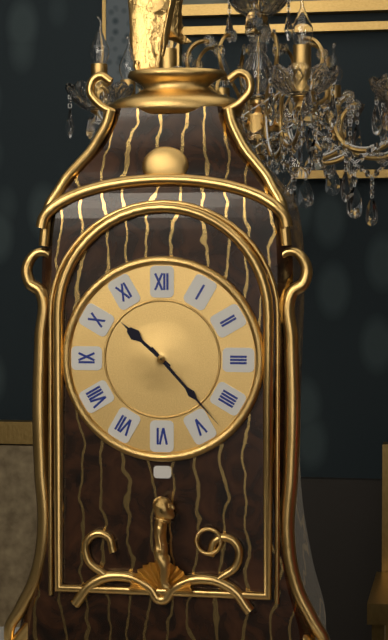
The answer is 10:23
